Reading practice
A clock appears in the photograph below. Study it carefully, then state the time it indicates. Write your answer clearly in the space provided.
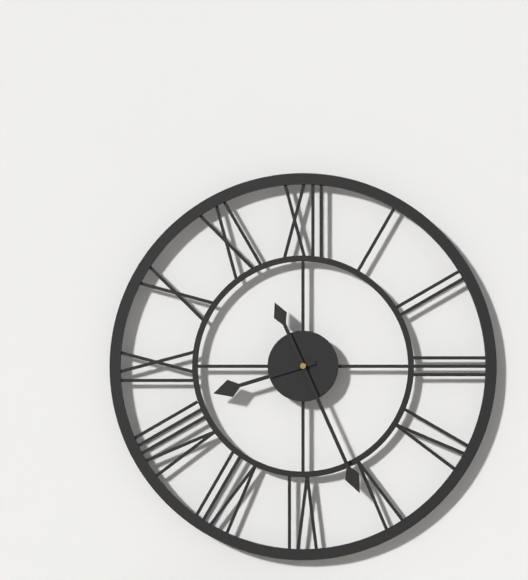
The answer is 8:26
